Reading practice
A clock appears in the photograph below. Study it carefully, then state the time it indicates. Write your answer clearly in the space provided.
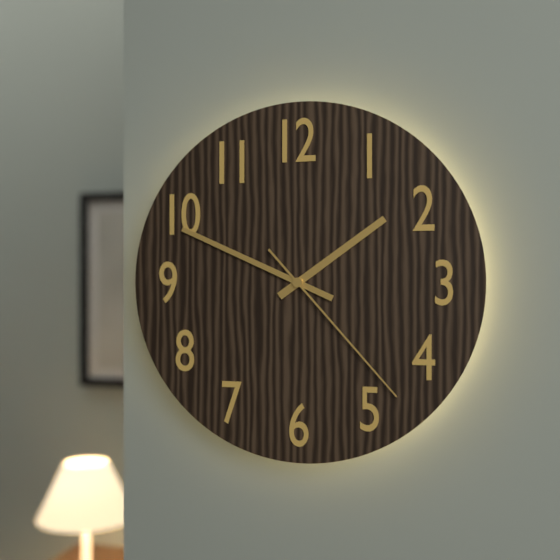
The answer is 1:49:23
